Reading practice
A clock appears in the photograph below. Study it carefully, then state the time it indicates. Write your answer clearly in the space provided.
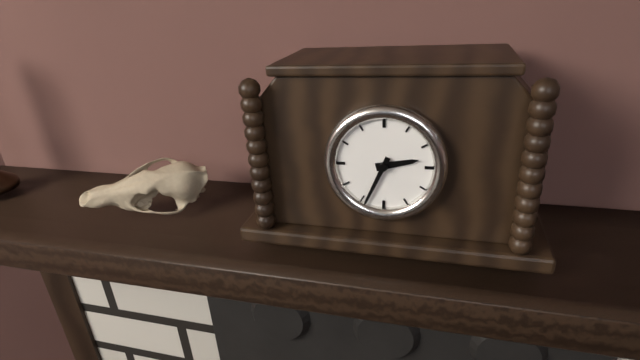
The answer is 2:34
